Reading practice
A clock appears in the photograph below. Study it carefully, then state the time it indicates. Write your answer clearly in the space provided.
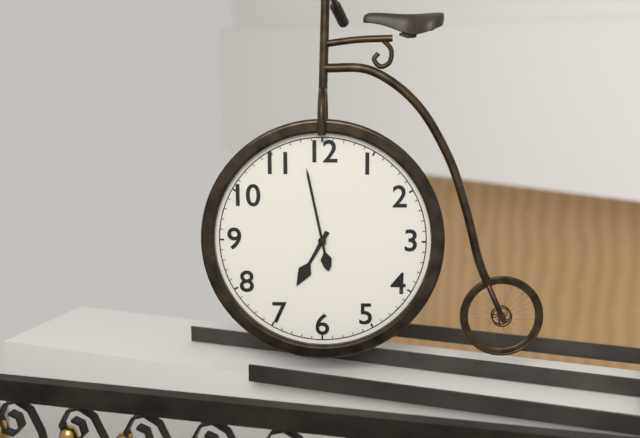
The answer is 6:58
